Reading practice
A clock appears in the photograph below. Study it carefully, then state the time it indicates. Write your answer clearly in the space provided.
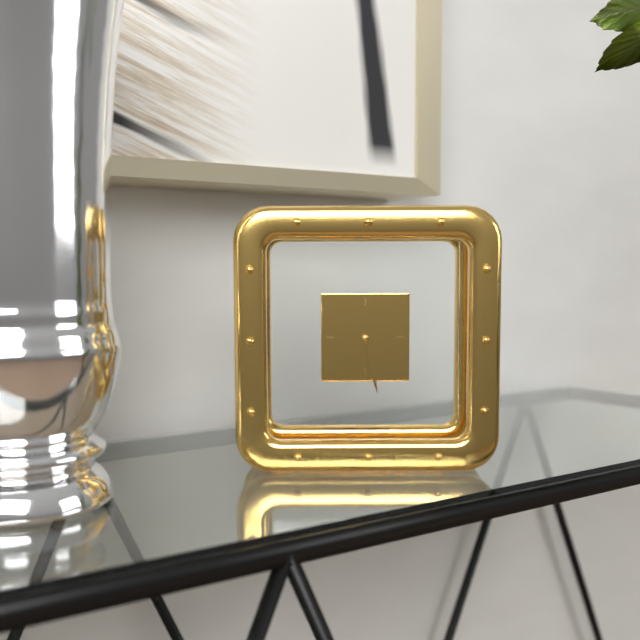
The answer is 6:28
